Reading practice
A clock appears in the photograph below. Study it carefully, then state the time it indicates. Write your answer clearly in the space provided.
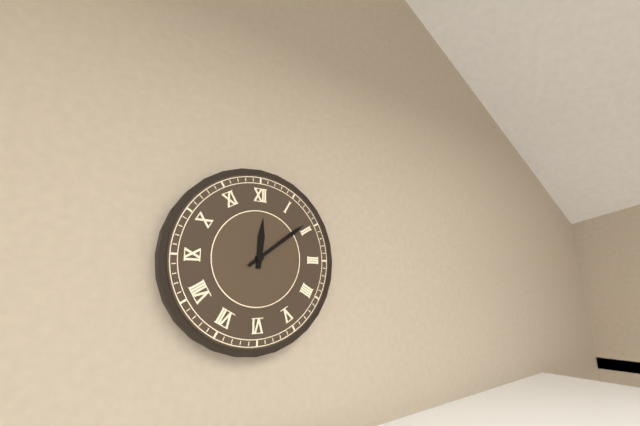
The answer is 12:09
